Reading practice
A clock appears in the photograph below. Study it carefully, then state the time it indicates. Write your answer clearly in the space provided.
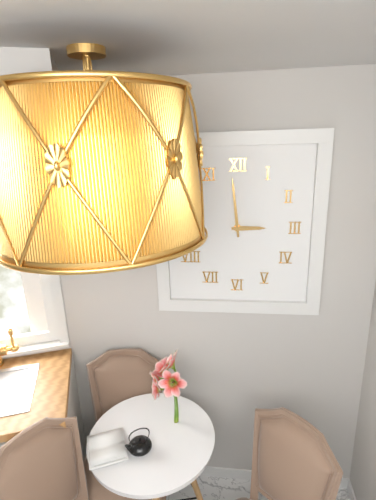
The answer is 2:59
